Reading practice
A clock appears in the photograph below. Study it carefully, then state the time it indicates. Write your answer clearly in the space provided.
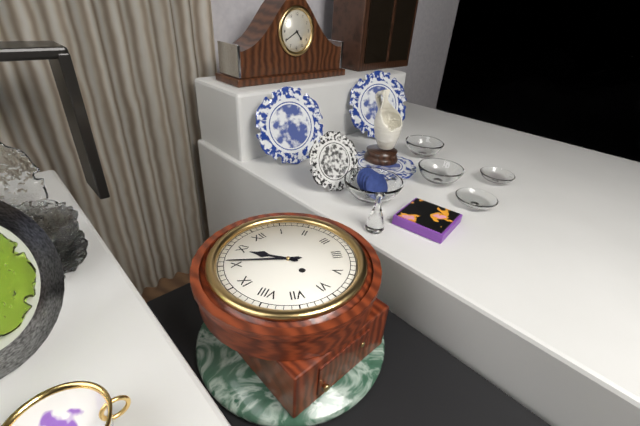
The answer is 10:51
